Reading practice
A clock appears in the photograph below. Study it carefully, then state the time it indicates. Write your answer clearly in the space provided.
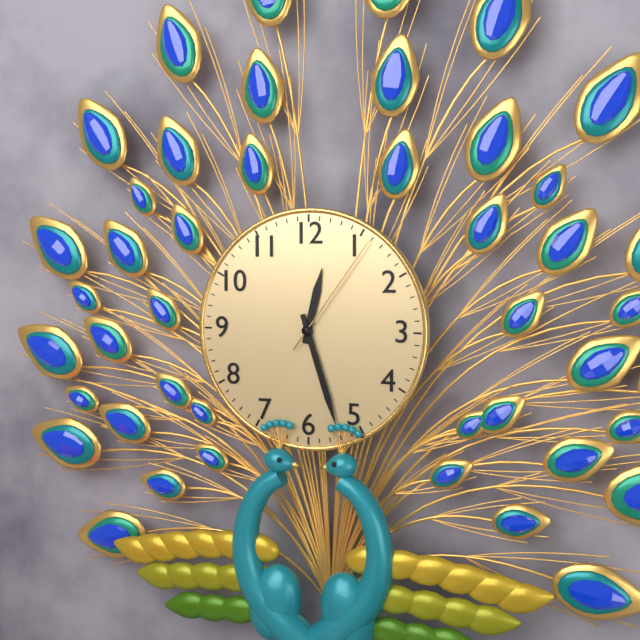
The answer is 12:27:06
